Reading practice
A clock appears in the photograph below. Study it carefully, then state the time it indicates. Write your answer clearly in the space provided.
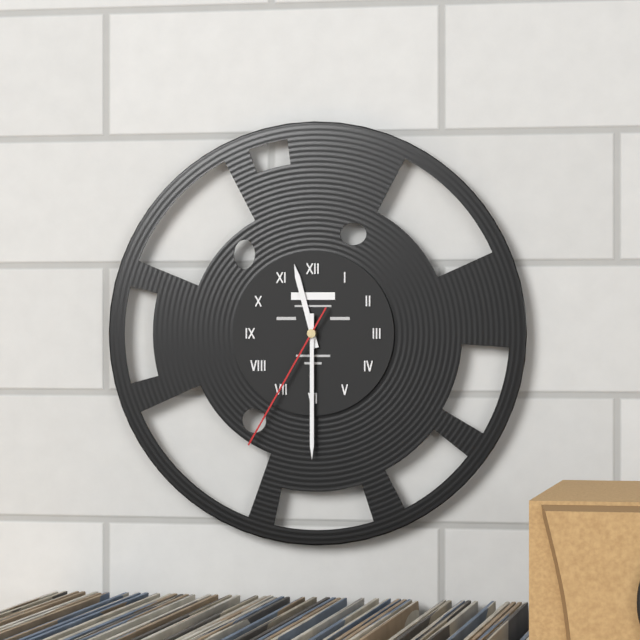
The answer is 11:30:35
